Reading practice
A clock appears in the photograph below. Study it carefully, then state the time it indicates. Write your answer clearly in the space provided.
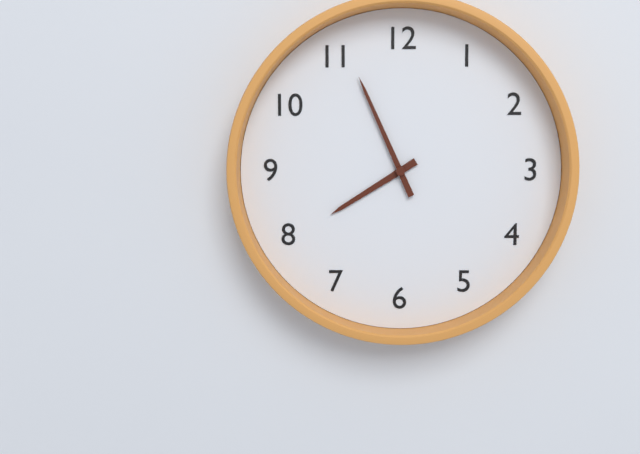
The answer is 7:56
